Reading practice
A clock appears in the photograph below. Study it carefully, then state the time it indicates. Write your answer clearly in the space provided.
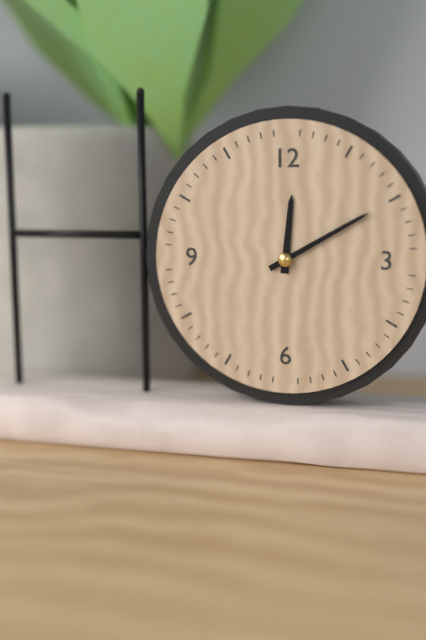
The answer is 12:10
